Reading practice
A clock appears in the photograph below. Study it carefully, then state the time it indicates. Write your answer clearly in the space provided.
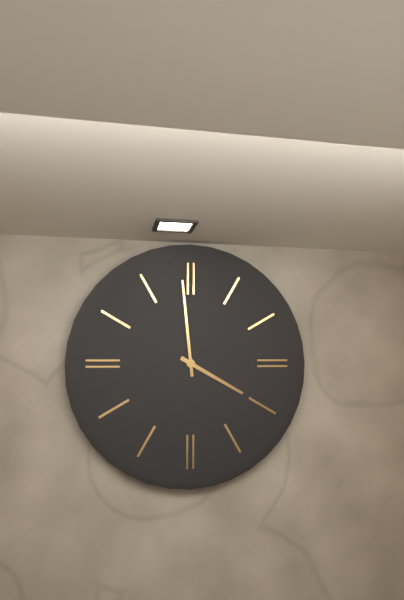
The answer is 3:59
